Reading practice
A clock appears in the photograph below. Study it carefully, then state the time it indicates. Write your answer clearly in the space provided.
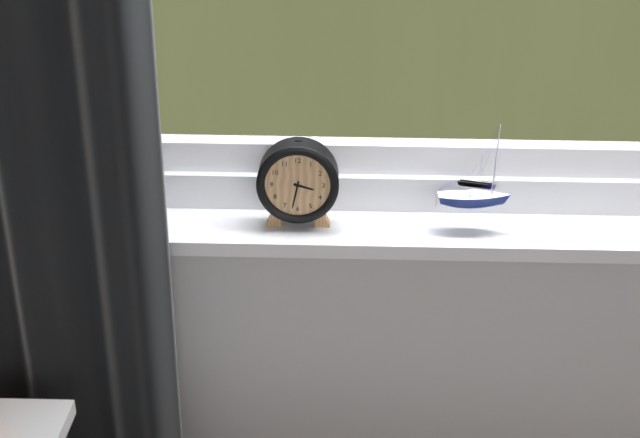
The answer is 3:32
